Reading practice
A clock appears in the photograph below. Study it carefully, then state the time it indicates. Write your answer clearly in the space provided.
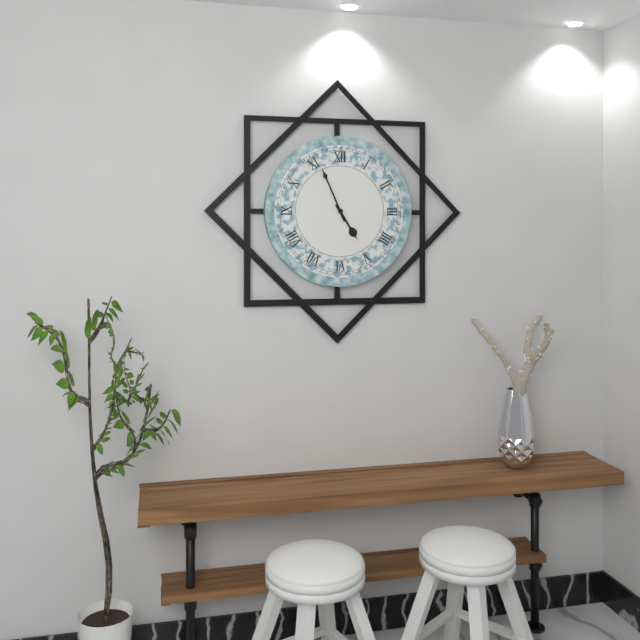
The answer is 4:56
